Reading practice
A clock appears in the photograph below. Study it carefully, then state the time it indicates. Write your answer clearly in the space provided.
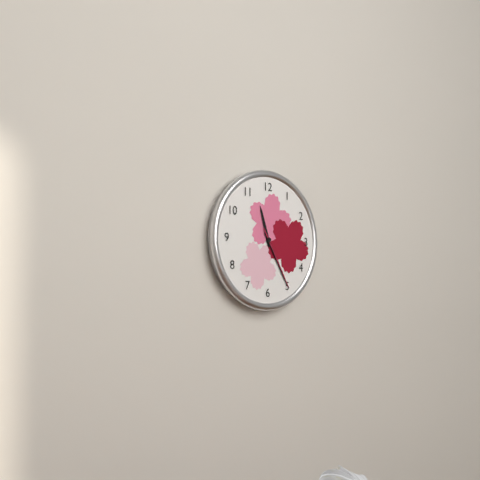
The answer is 11:25:25
